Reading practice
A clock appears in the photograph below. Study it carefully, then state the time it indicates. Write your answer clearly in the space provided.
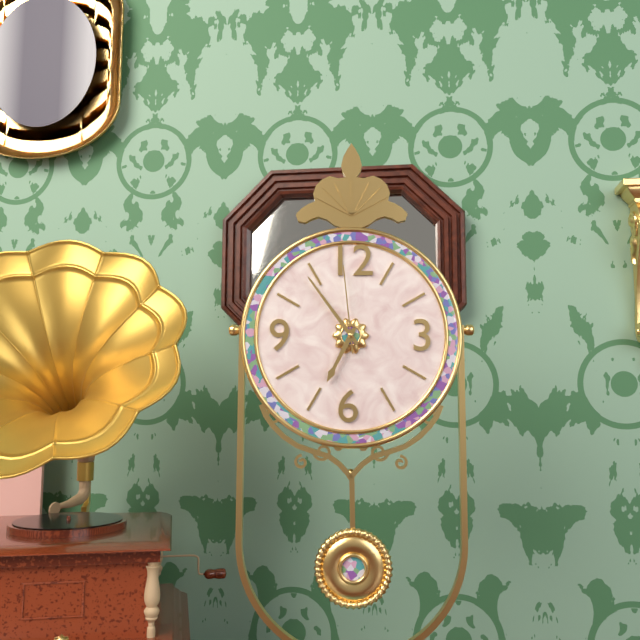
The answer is 6:54:59
